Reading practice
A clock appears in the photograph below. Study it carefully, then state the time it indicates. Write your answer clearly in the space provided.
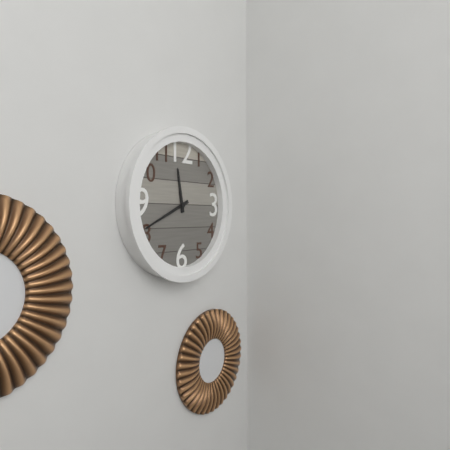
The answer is 11:41
